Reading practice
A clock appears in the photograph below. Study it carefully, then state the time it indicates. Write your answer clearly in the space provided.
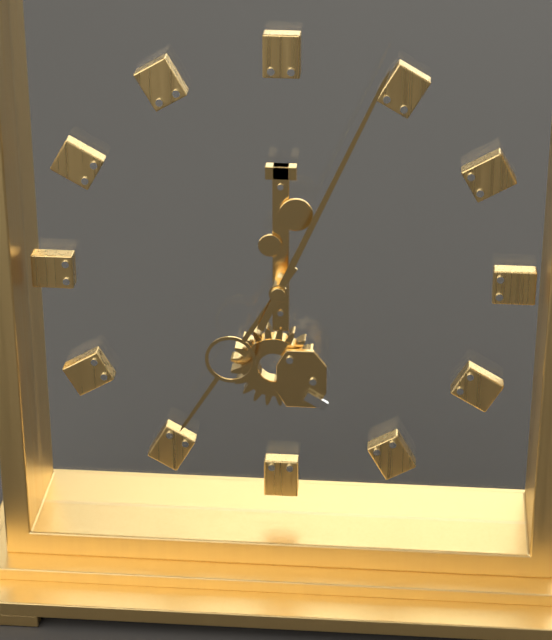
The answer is 7:04
